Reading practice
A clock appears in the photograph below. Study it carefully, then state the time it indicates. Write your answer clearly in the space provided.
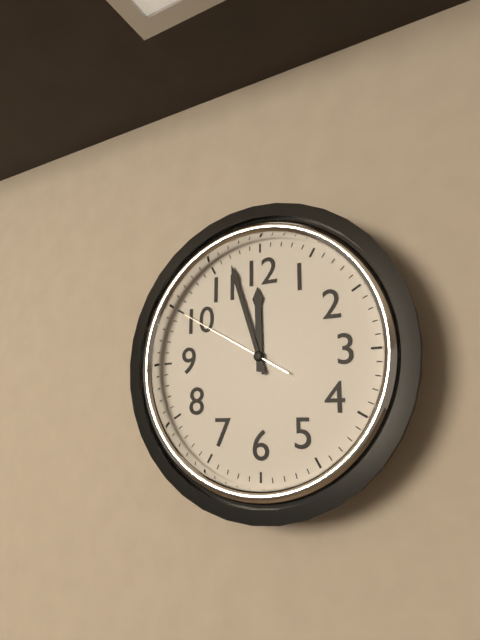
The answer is 11:57:50
